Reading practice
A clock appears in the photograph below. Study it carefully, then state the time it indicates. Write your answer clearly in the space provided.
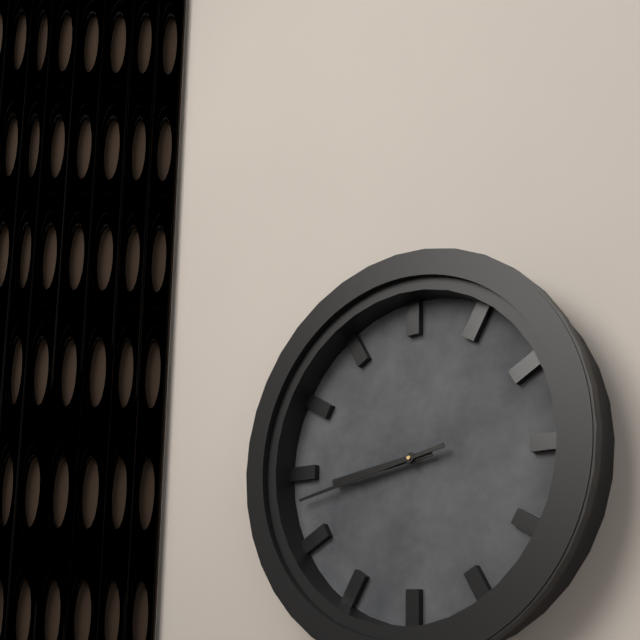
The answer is 8:43
